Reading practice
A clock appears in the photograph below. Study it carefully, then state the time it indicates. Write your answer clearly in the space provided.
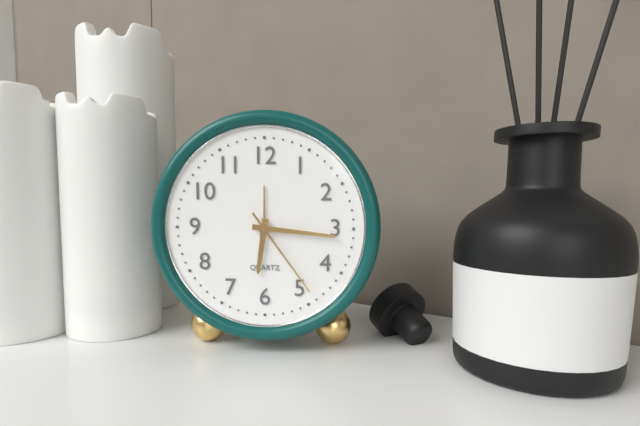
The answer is 6:16:24
